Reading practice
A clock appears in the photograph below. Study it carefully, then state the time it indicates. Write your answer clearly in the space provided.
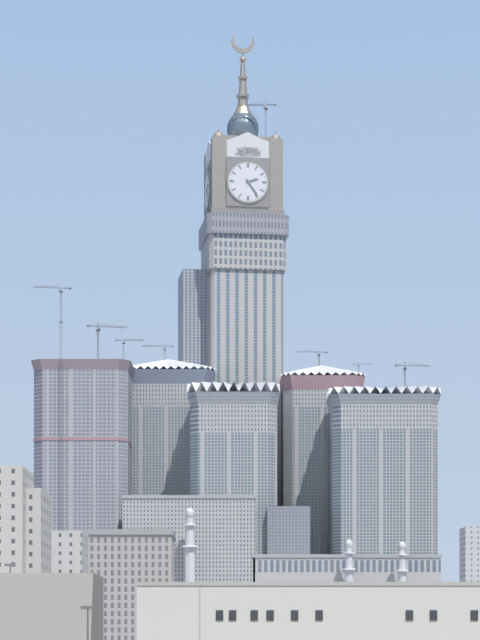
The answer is 2:24
